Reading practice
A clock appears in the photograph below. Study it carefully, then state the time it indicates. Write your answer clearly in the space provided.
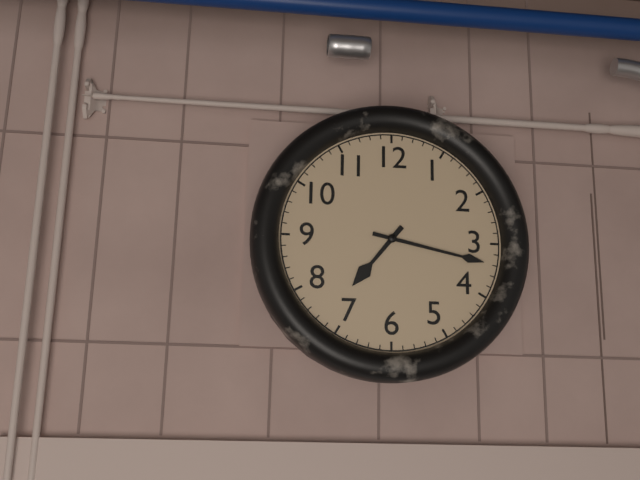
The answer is 7:17
